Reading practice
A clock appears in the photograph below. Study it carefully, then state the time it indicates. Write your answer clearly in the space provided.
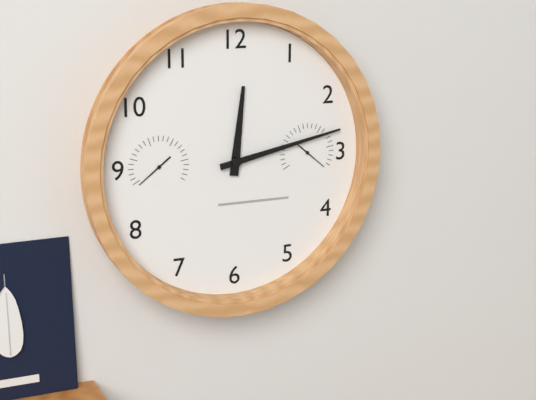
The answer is 12:13
